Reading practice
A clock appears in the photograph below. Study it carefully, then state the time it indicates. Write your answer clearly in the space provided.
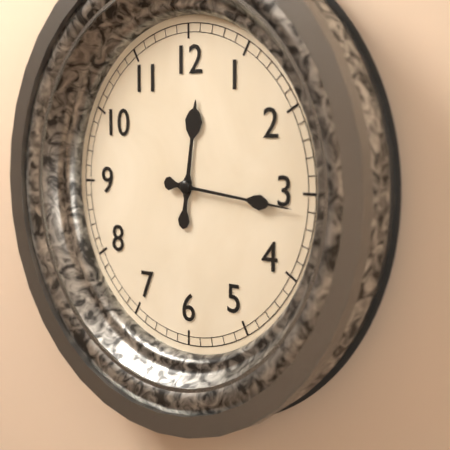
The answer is 12:16
